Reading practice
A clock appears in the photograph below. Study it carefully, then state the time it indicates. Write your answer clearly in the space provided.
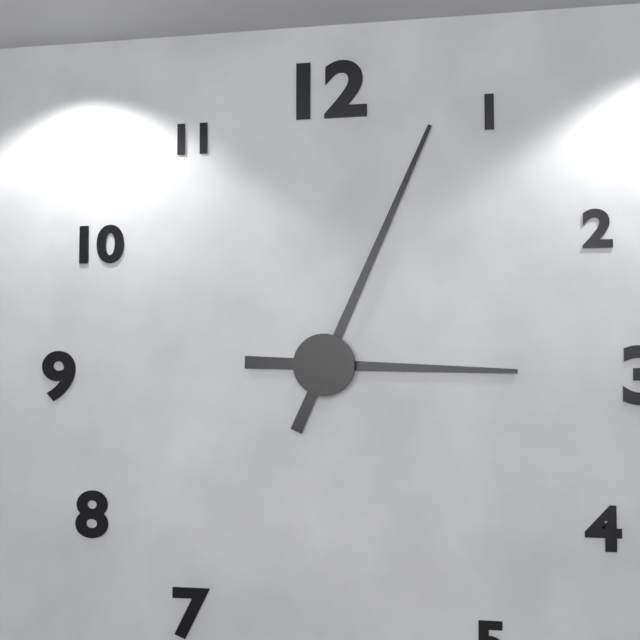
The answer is 3:04
